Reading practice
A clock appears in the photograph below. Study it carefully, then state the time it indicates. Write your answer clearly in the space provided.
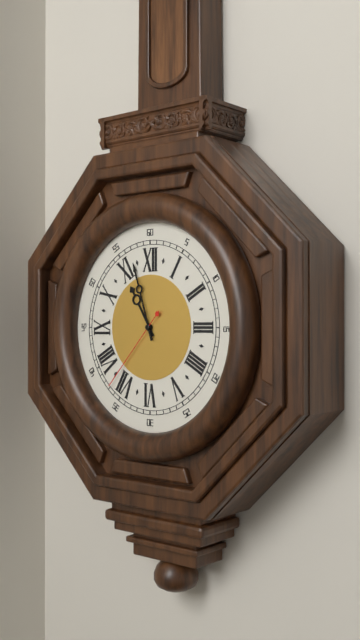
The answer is 10:57:37
